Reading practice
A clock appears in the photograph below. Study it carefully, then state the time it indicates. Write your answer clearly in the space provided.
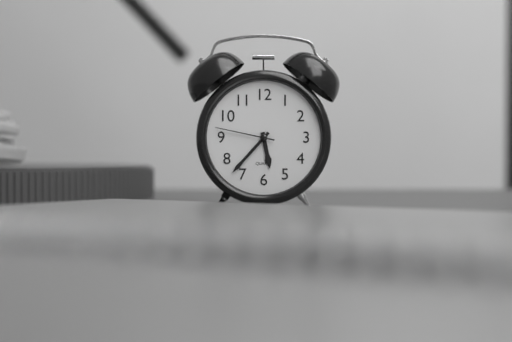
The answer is 5:37:47
